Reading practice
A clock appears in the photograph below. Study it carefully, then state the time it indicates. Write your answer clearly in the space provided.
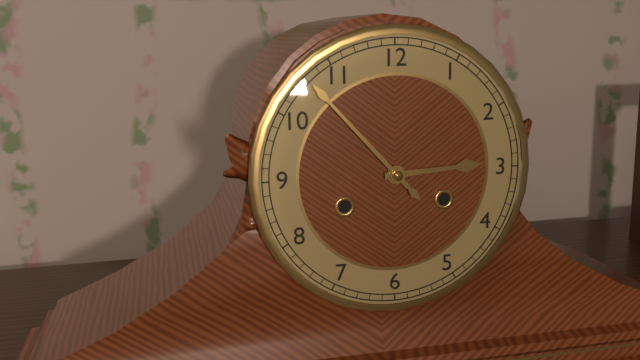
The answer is 2:53
